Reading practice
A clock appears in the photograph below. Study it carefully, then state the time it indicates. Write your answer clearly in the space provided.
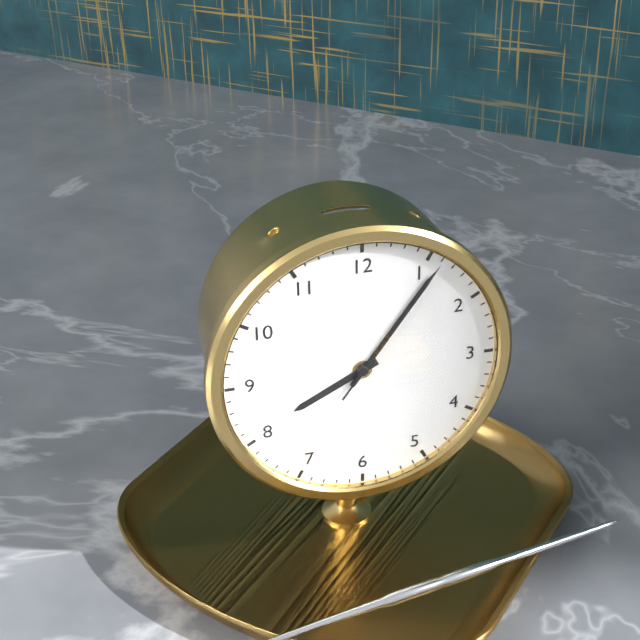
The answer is 8:06:06
